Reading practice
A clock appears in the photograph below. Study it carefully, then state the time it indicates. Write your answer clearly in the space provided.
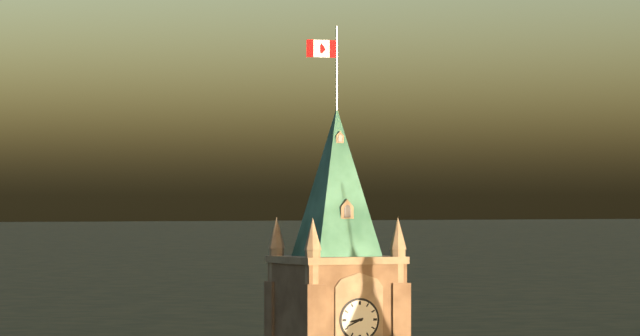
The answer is 8:41
